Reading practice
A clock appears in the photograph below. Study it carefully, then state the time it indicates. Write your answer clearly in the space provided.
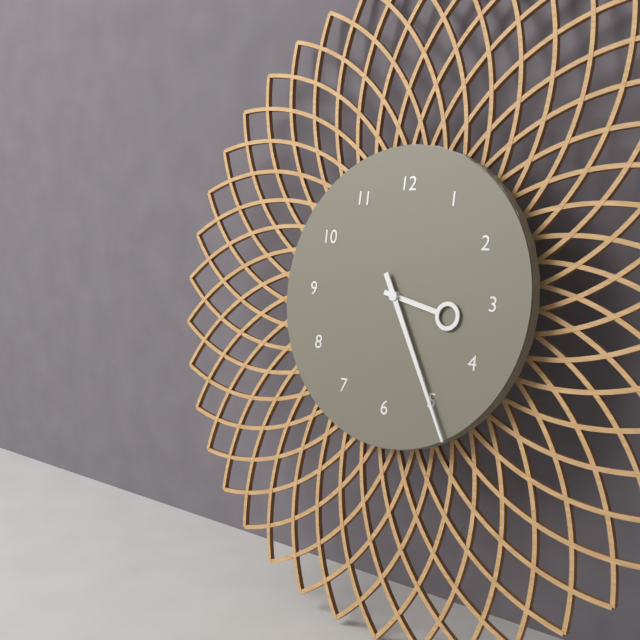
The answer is 3:25
